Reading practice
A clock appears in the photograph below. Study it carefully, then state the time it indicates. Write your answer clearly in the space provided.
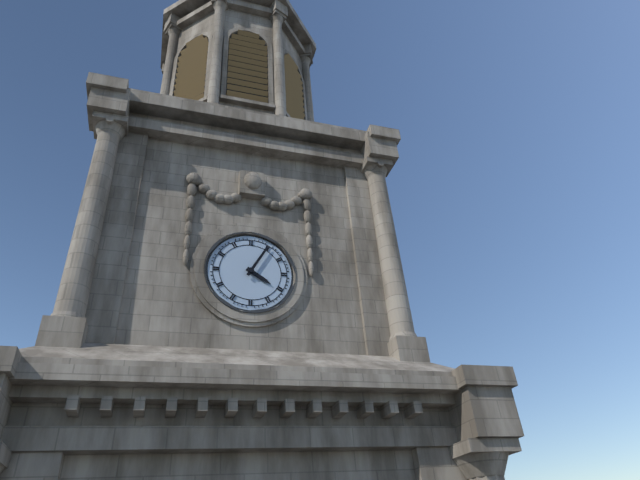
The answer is 4:05
